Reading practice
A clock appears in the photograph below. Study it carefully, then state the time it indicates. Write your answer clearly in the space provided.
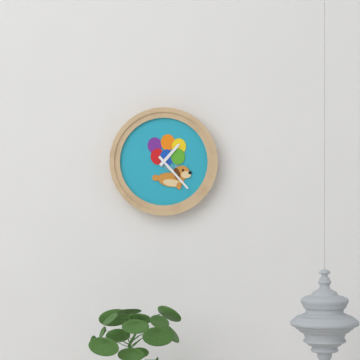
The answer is 1:23
